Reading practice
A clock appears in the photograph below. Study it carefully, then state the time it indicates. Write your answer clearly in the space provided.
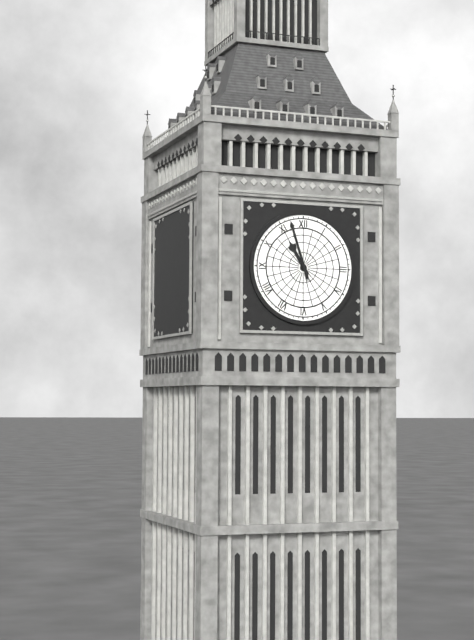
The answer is 10:57
